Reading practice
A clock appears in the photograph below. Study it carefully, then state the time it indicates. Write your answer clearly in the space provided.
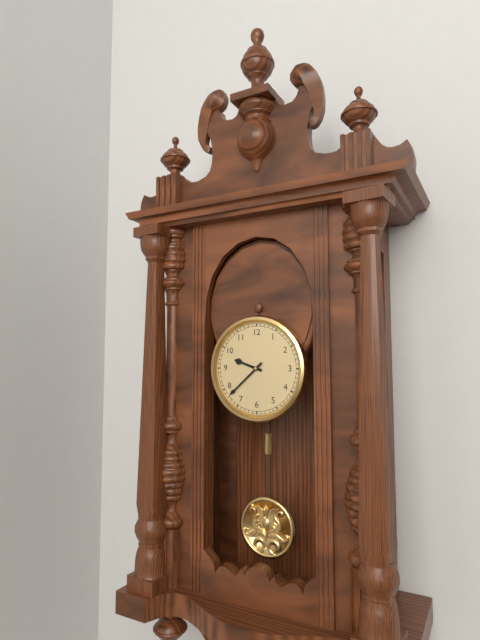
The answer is 9:38
